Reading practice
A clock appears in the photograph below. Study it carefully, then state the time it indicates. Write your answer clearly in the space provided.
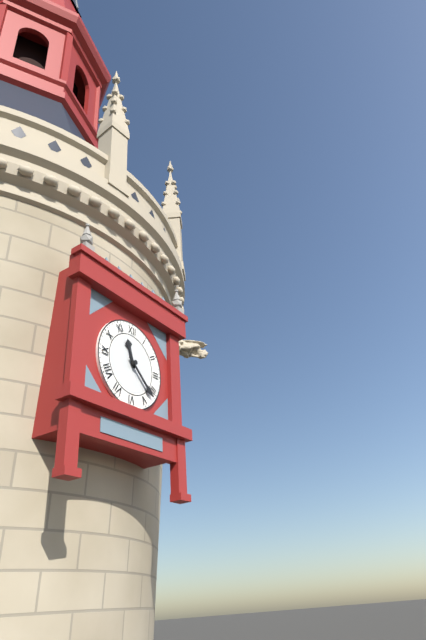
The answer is 11:22
